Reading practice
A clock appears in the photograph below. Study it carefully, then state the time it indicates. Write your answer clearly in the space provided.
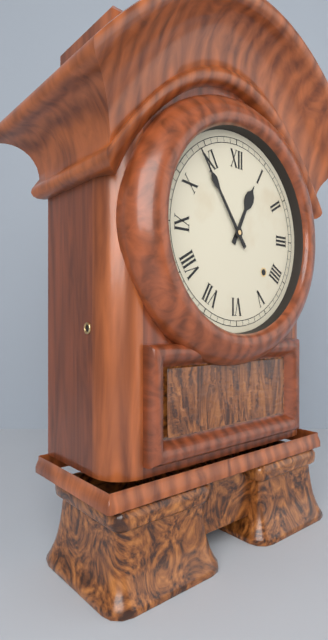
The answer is 12:54
